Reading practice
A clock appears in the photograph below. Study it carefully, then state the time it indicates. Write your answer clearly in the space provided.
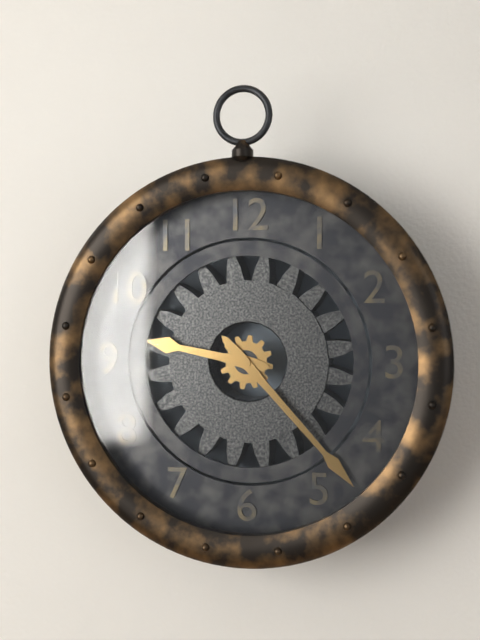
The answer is 9:23
